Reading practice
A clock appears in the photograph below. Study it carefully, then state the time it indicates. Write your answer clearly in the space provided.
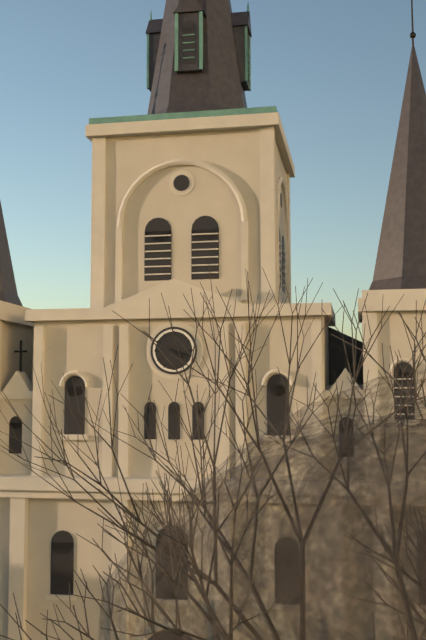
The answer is 4:18
